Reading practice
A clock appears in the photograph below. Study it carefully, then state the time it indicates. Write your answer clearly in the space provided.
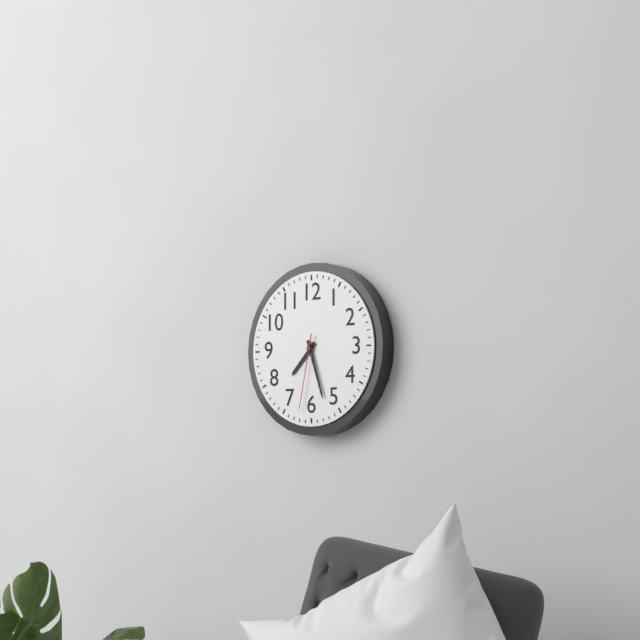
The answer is 7:27:32
